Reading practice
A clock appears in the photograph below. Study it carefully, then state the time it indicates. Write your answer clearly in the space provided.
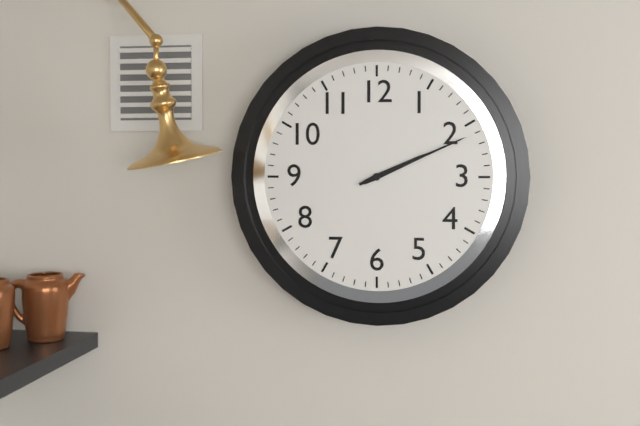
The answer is 2:11
